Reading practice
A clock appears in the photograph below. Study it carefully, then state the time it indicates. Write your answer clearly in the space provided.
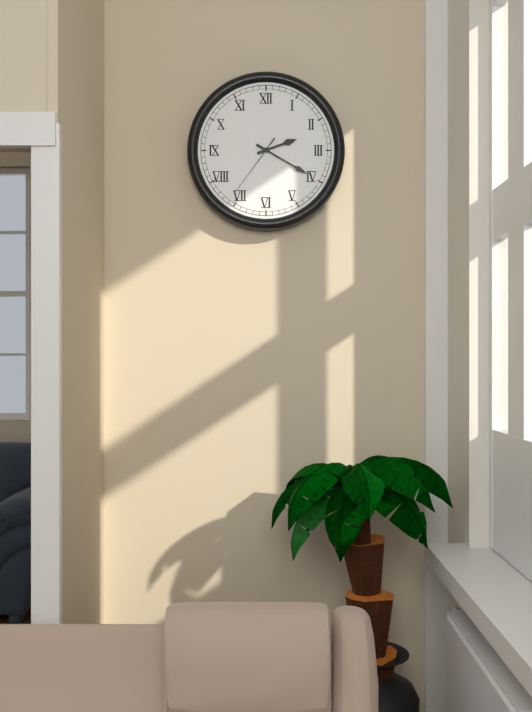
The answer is 2:20:36
